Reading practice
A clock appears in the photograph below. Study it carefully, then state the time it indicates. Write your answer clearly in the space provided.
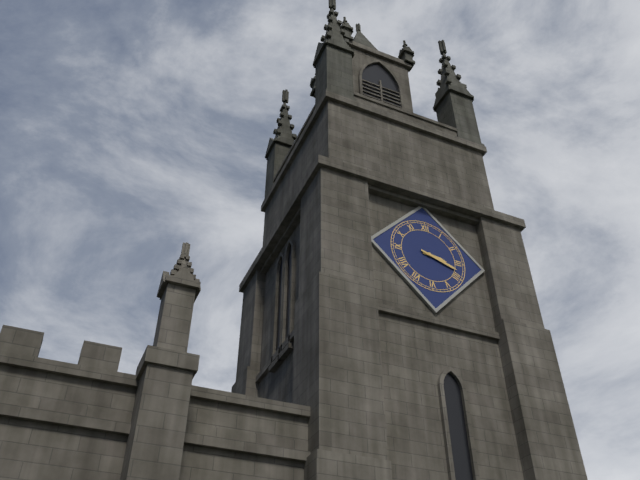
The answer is 3:18
